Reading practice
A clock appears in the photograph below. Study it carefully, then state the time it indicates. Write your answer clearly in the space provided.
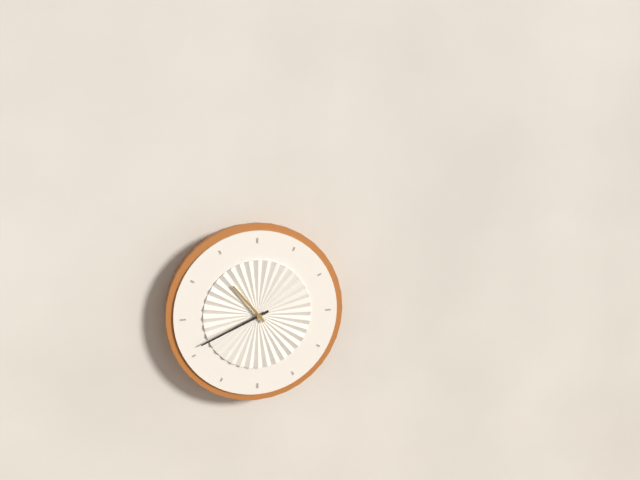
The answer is 10:41
